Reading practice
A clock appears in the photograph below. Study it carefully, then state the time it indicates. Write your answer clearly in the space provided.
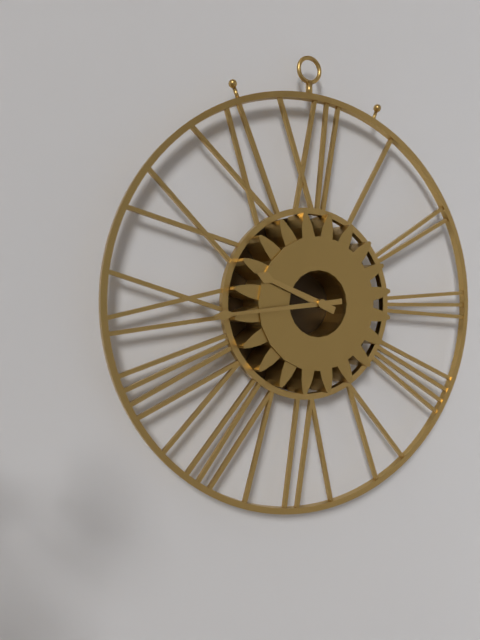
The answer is 9:44
